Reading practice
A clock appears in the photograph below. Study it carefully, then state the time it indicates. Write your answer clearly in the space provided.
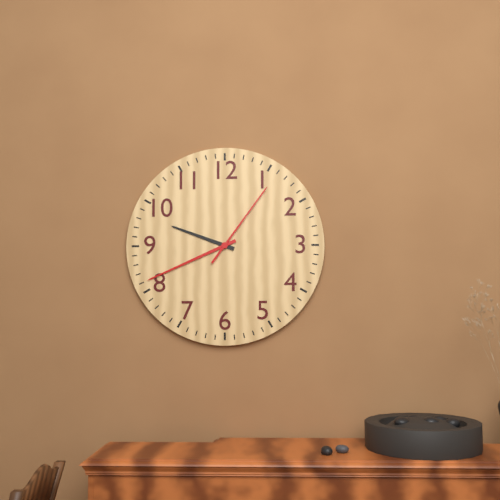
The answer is 9:41:06
